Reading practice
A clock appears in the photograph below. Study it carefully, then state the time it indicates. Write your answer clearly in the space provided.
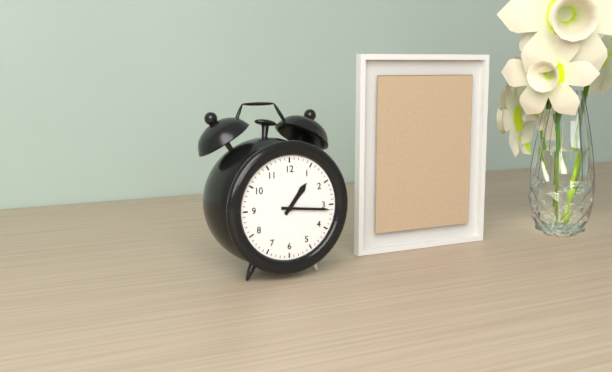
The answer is 1:16
